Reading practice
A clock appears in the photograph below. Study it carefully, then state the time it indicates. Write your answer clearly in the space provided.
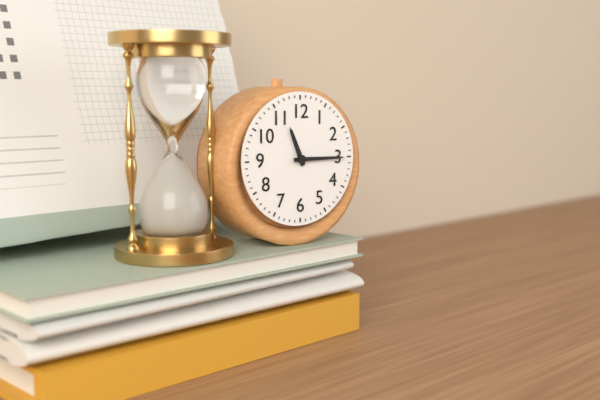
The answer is 11:15
